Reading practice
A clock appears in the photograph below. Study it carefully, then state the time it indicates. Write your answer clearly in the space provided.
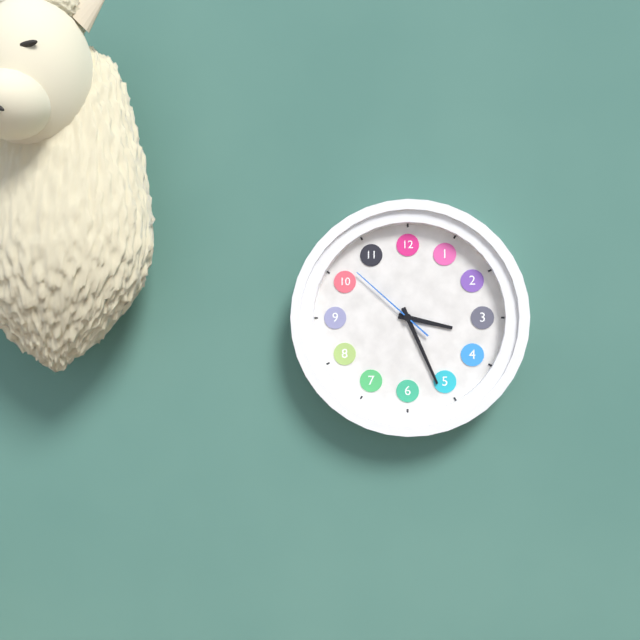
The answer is 3:26:52
